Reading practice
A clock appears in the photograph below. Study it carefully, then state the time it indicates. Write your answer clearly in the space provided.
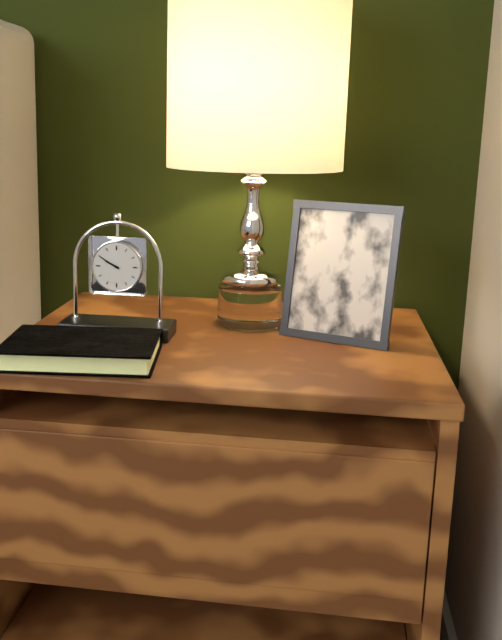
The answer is 9:50
